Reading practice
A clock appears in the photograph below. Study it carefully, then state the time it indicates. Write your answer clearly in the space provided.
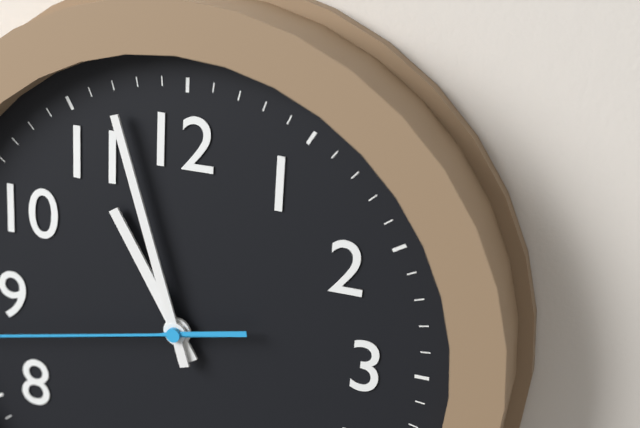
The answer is 10:57
